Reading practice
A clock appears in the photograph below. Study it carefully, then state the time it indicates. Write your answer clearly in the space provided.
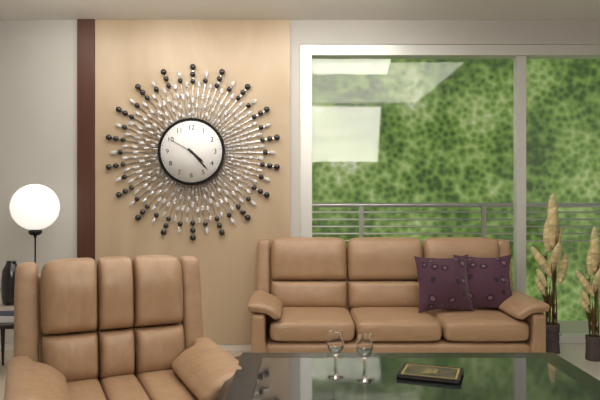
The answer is 4:23
